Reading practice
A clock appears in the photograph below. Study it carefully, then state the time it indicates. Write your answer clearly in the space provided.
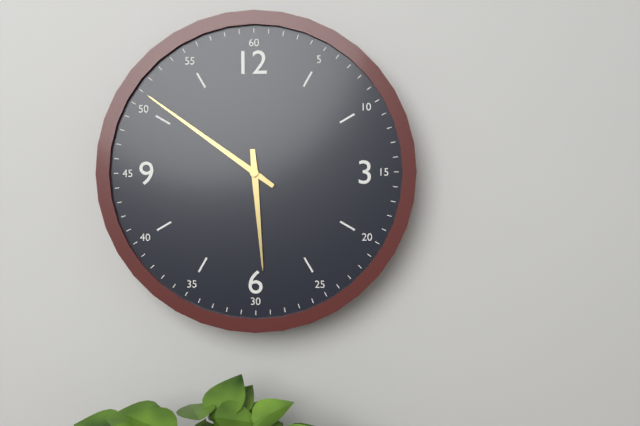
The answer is 5:51
